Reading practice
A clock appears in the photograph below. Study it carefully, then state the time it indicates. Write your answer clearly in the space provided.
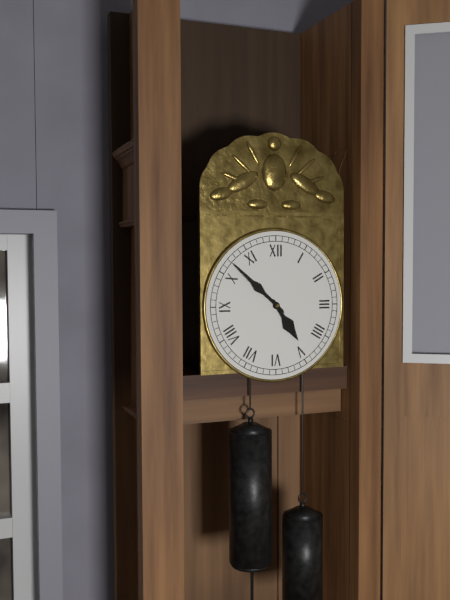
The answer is 4:52
